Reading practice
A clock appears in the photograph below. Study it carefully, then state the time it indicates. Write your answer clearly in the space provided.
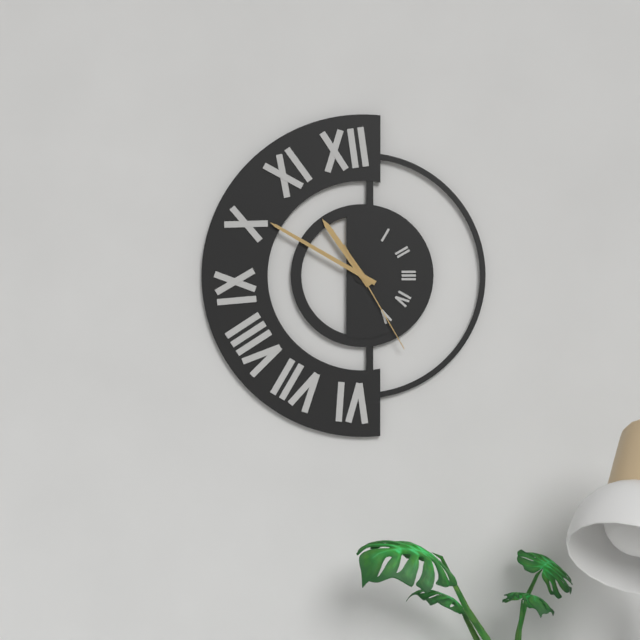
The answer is 10:50:25
